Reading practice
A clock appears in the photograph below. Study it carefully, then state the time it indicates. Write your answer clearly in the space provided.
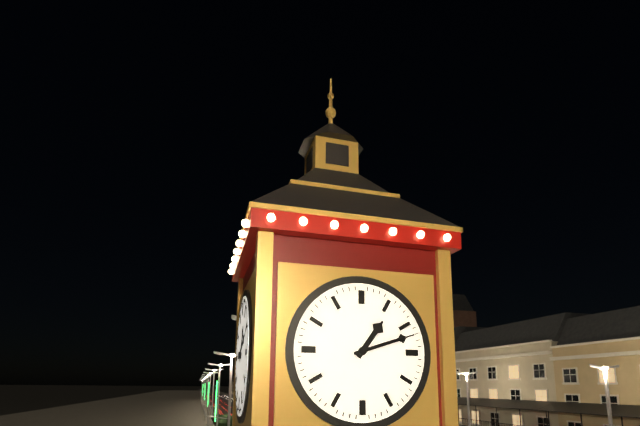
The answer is 1:12
